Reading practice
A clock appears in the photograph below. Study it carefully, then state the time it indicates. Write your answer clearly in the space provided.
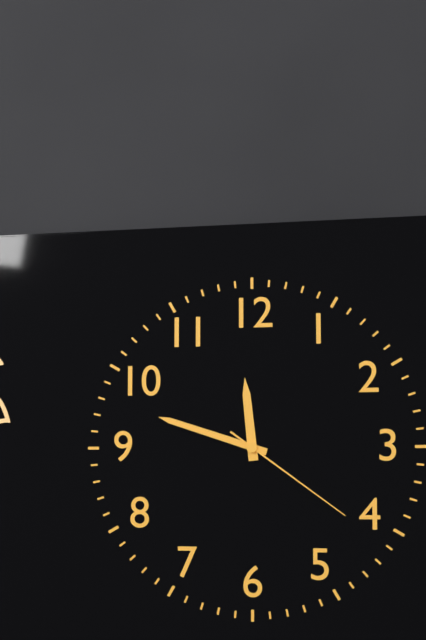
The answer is 11:48:21
